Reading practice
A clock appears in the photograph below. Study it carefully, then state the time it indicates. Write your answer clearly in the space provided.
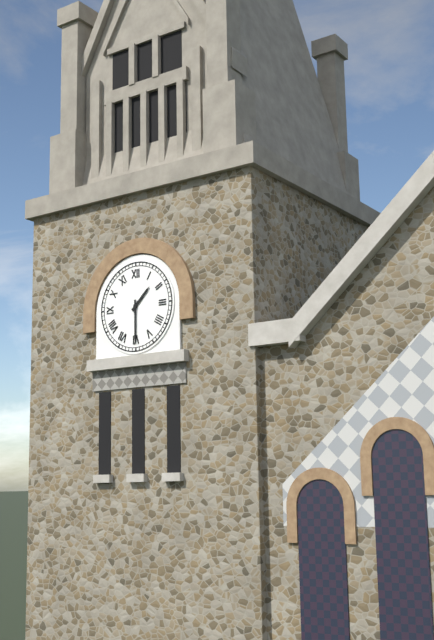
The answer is 1:30
